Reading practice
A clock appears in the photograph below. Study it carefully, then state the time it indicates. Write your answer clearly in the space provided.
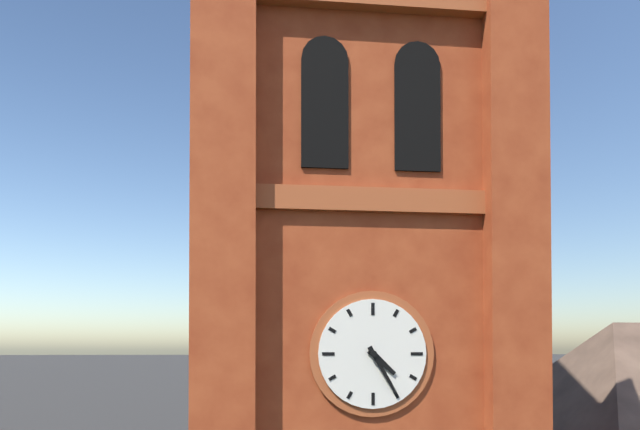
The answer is 4:25
